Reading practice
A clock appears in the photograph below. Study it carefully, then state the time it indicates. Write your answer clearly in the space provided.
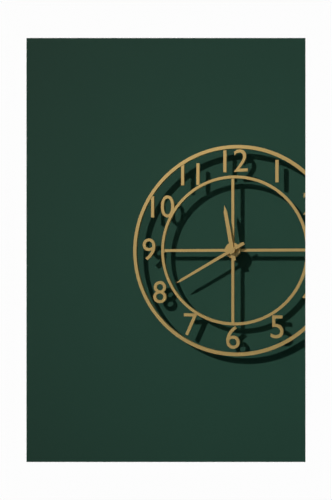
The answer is 11:40
